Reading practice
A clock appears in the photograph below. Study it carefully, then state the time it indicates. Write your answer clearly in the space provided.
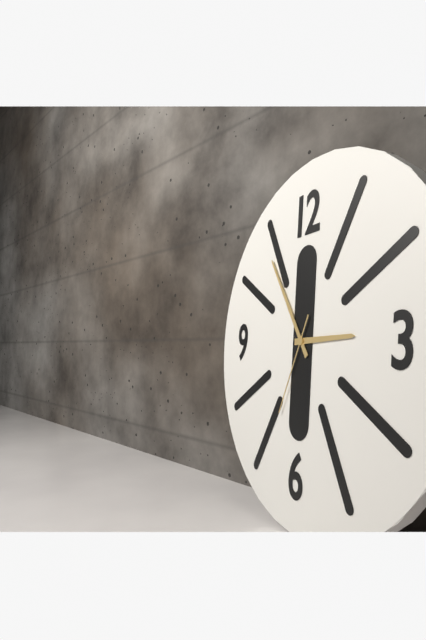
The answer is 2:54:34
